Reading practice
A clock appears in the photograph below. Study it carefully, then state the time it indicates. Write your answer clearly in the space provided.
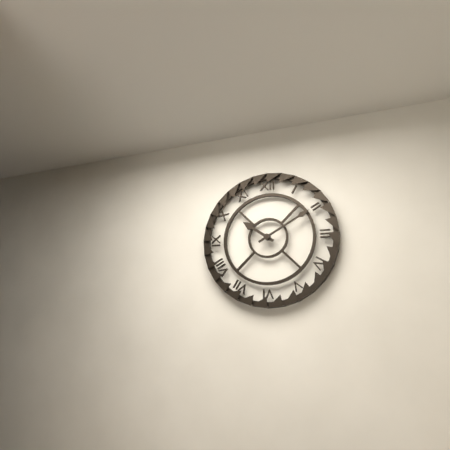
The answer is 10:10
